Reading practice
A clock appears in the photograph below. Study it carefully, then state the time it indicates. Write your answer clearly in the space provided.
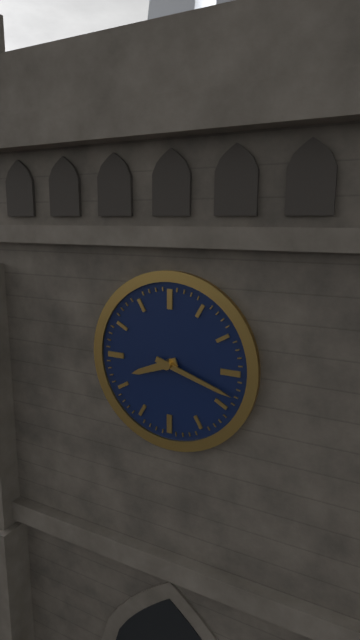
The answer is 8:18
